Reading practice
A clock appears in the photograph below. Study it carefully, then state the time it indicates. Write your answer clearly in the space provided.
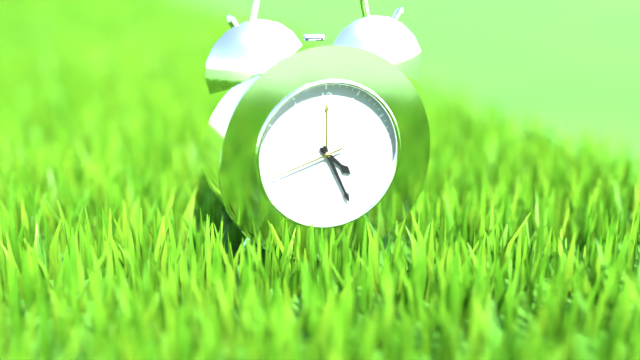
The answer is 4:26:42
